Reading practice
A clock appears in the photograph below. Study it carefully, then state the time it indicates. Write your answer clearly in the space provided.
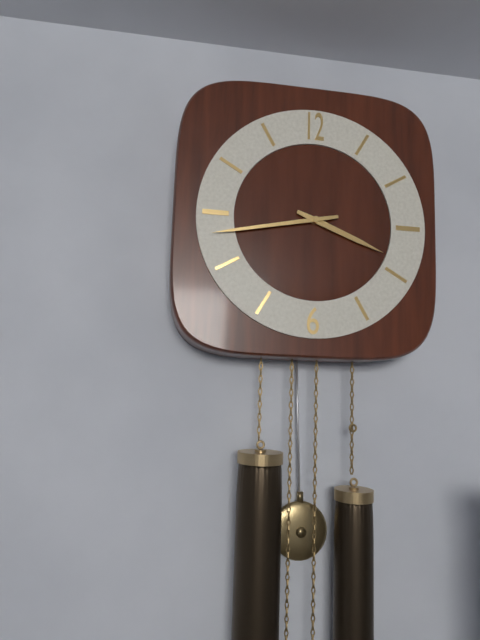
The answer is 3:43
